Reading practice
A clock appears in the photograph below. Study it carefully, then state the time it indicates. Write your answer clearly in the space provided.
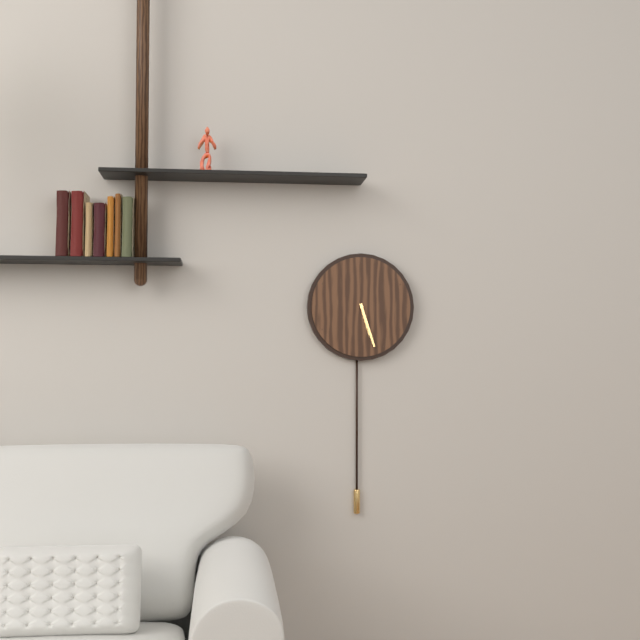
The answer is 5:27
